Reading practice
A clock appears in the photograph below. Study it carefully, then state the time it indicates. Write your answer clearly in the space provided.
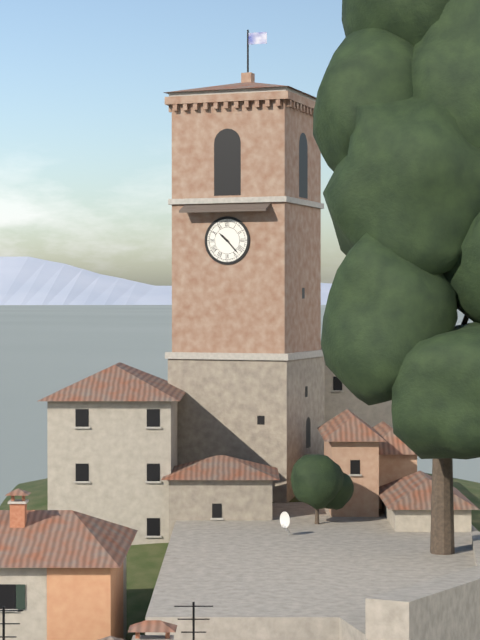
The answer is 10:23
